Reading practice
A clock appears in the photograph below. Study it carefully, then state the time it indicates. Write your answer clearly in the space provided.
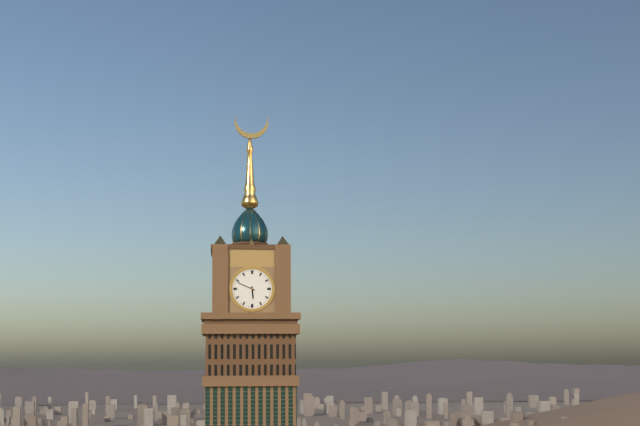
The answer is 5:49
